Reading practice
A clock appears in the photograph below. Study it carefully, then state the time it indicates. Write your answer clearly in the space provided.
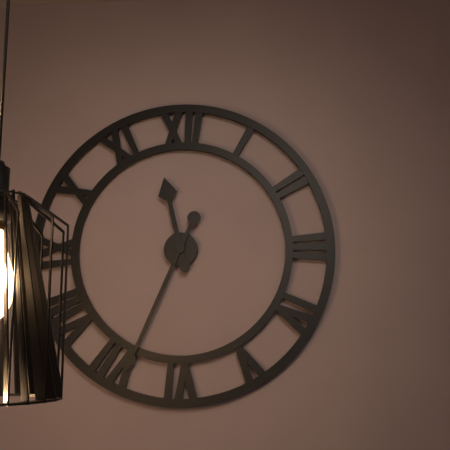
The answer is 11:34
